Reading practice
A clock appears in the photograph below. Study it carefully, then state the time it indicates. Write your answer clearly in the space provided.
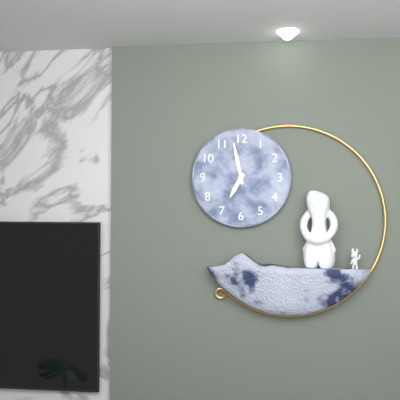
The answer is 6:58
